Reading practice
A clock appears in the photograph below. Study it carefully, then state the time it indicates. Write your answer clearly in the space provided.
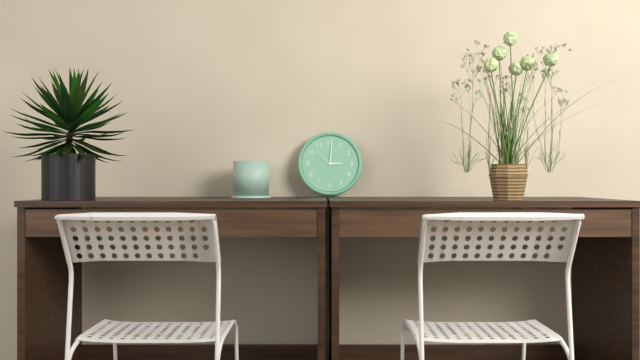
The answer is 3:01
